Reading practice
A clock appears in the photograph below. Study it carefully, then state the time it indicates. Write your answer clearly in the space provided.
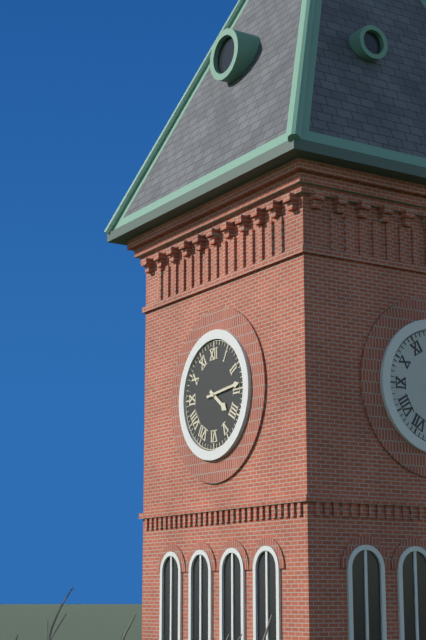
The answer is 4:14
